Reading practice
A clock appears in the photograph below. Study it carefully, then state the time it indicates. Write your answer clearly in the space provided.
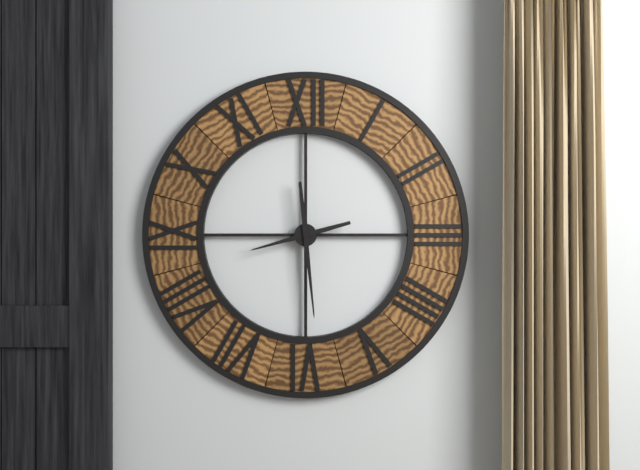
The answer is 8:29
